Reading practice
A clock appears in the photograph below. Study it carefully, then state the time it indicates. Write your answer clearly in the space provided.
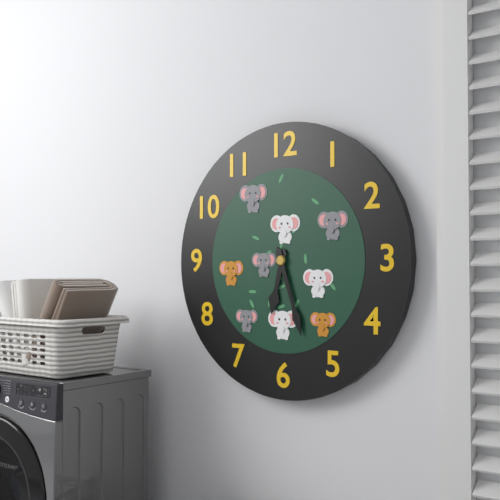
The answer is 6:27
